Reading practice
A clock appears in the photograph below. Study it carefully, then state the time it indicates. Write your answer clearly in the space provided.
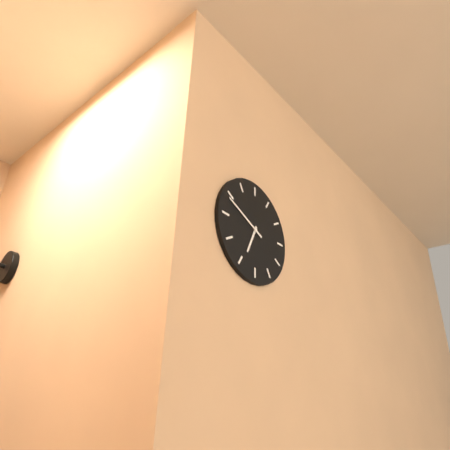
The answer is 6:49
